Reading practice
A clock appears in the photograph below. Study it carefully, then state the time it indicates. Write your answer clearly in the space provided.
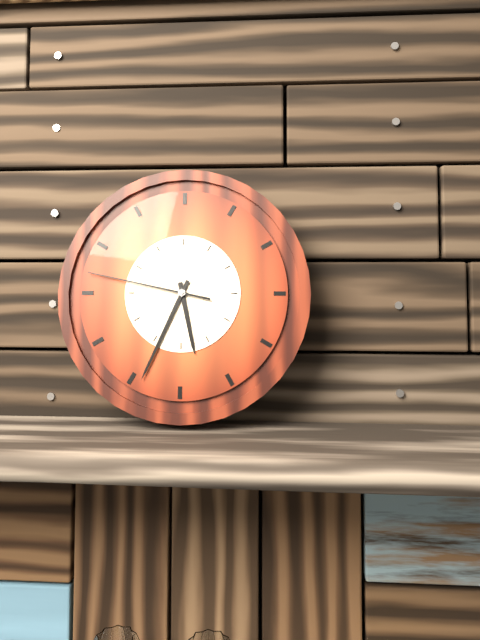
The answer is 5:34:47
